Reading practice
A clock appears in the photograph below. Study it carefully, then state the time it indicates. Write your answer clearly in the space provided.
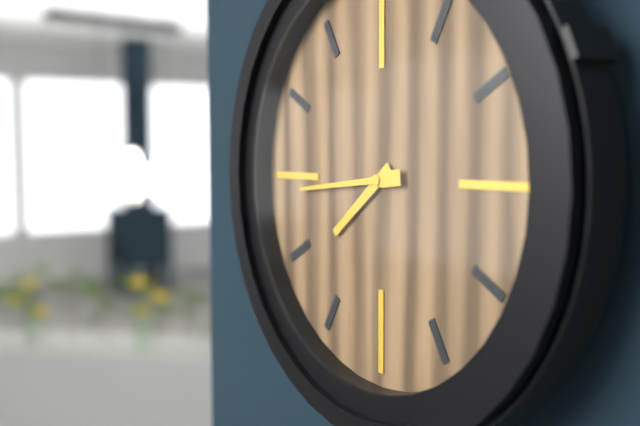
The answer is 7:44
